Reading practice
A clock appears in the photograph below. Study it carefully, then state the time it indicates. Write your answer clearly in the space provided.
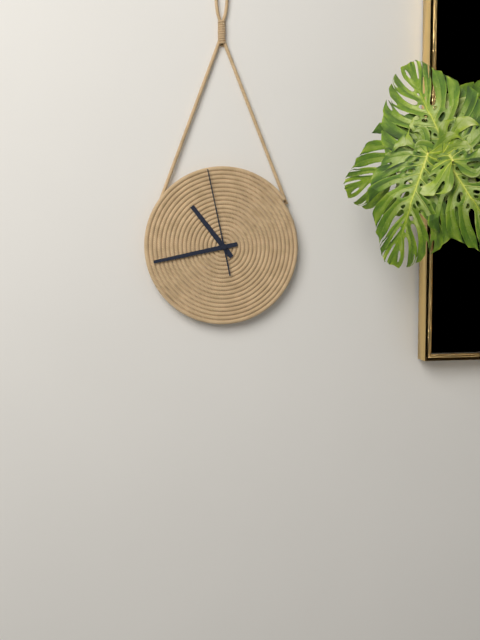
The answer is 10:43:58
